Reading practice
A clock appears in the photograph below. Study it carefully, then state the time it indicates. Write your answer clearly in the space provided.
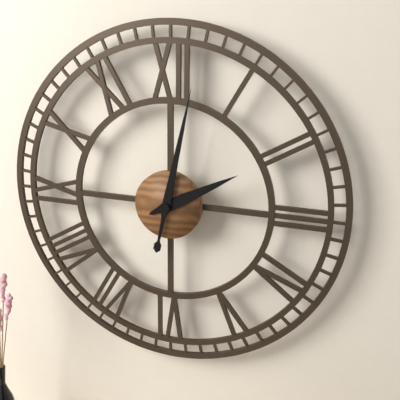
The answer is 2:02
